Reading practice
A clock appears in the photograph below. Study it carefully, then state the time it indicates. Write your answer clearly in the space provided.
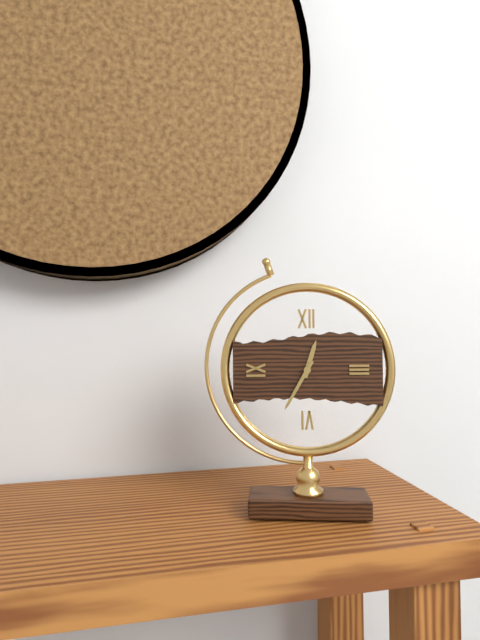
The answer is 12:35
